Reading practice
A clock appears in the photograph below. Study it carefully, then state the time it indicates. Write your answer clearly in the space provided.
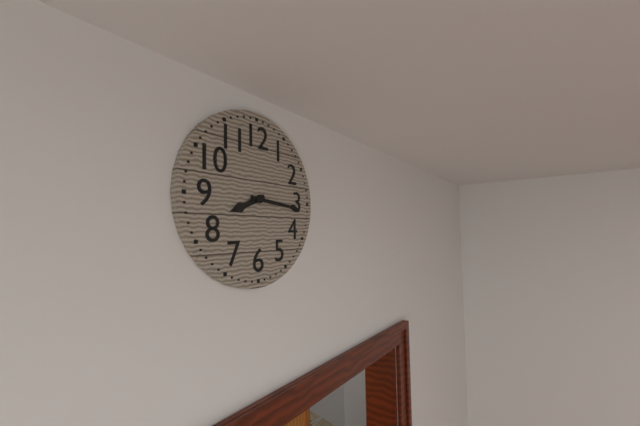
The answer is 8:16
